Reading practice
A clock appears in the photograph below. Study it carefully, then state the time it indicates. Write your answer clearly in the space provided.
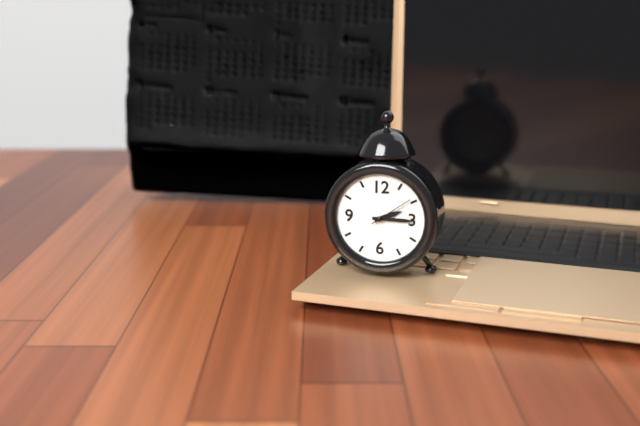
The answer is 2:15
